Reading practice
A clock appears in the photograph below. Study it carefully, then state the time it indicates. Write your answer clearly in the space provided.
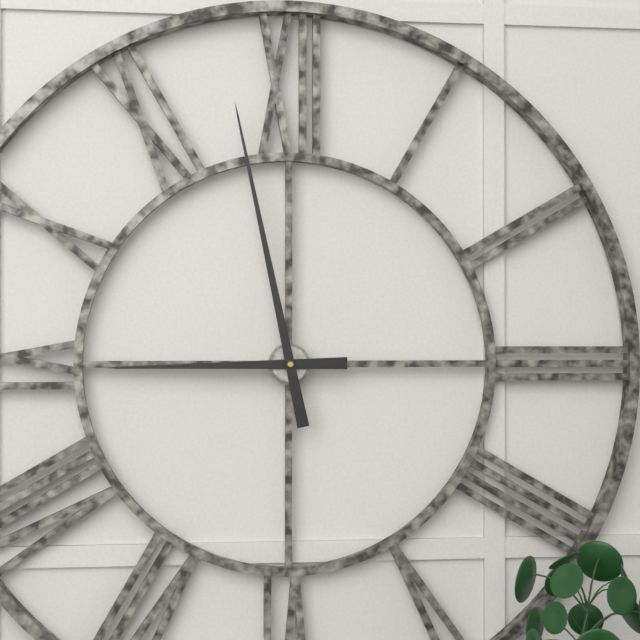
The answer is 8:58
